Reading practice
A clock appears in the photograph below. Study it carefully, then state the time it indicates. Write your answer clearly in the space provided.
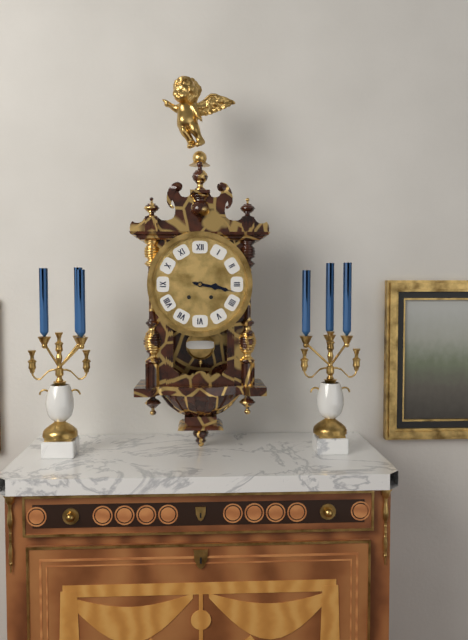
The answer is 3:17
